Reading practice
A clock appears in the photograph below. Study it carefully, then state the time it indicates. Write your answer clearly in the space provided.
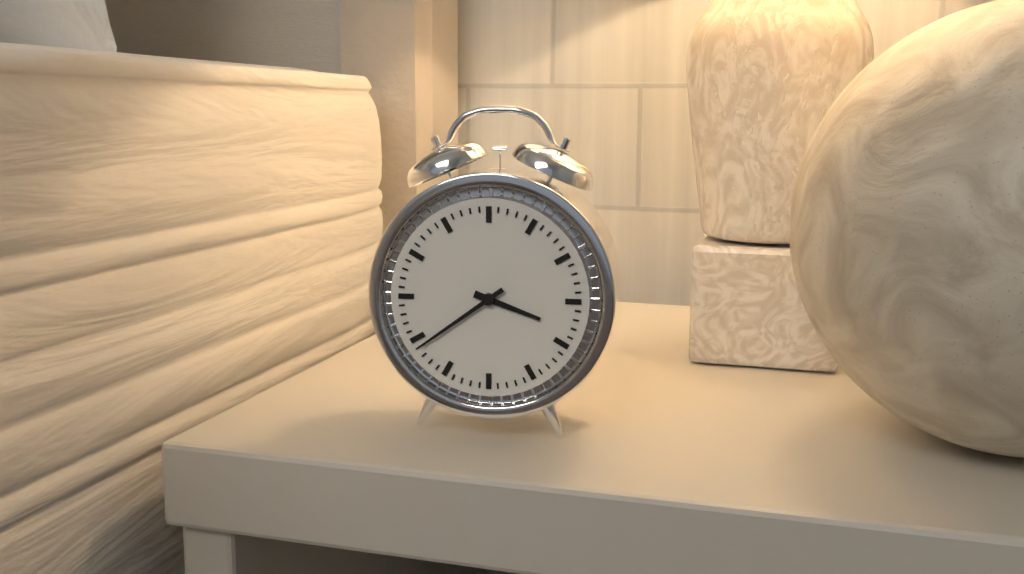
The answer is 3:39
